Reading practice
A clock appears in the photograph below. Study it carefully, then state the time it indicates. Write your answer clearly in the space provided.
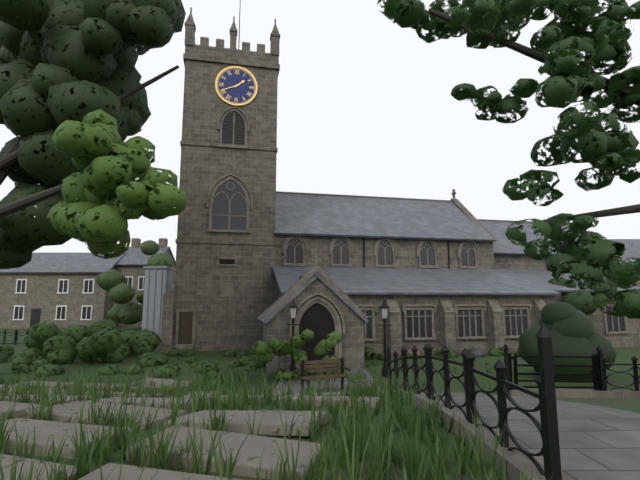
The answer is 1:41
